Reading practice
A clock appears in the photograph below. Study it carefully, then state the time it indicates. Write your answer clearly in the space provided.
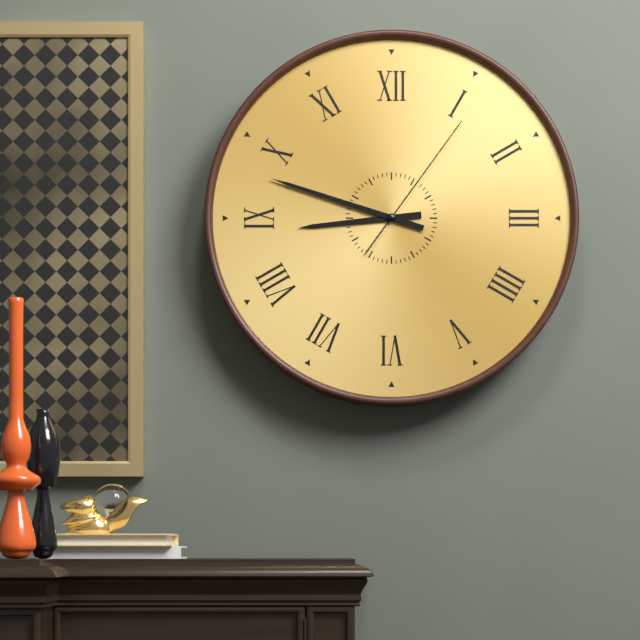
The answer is 8:48:06
